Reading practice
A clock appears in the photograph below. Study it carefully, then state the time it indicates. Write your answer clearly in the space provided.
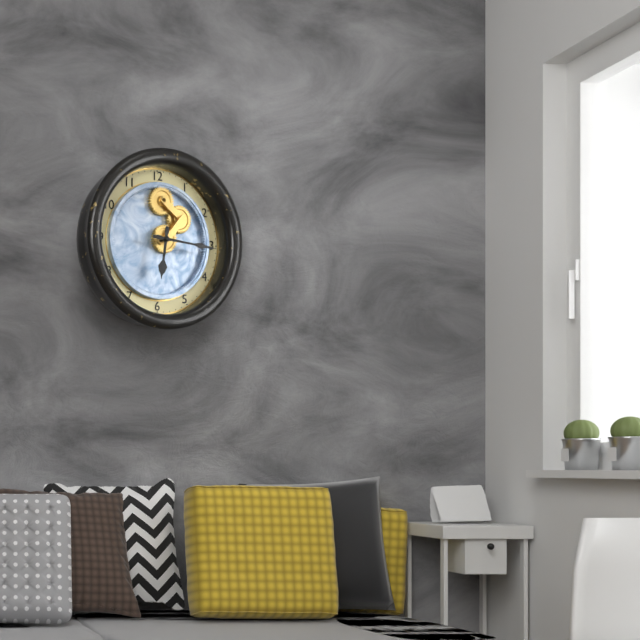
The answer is 6:16
